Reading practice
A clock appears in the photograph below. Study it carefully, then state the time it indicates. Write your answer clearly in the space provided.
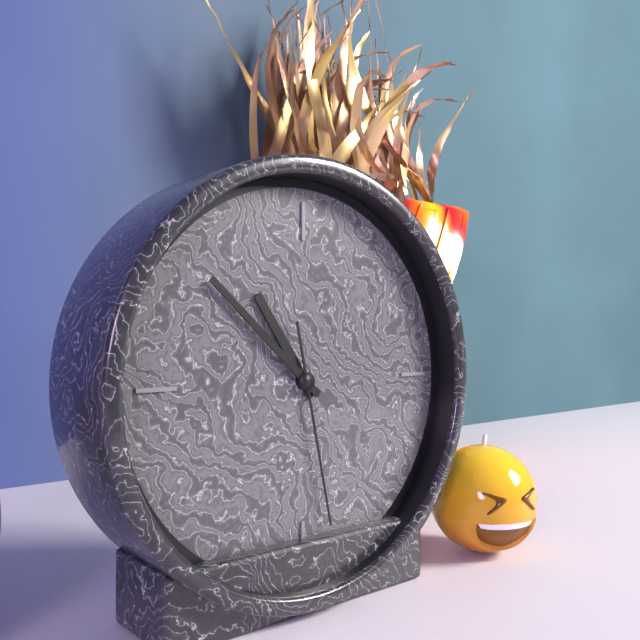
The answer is 10:52:28
